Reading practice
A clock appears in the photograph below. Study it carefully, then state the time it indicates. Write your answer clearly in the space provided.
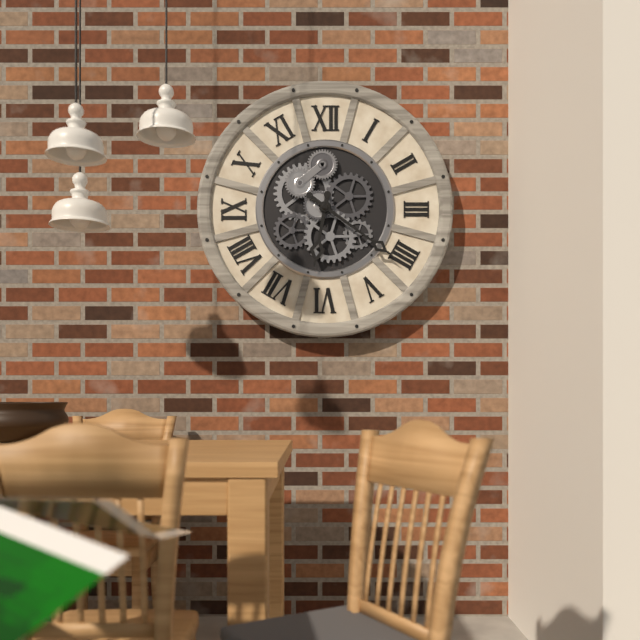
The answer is 6:21
